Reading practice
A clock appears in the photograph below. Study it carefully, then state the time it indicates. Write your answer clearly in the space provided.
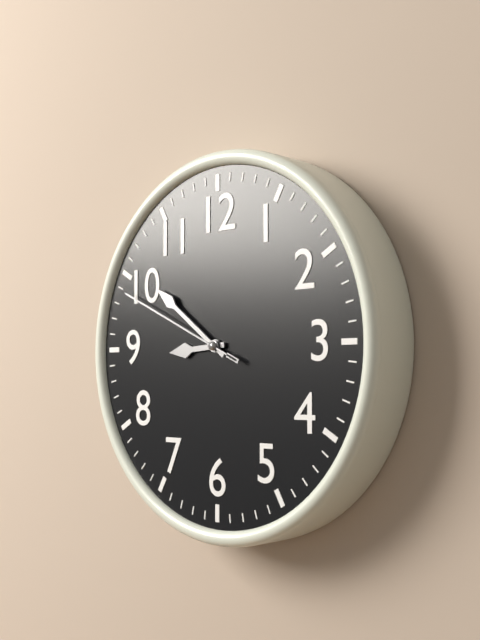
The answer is 8:51:49
